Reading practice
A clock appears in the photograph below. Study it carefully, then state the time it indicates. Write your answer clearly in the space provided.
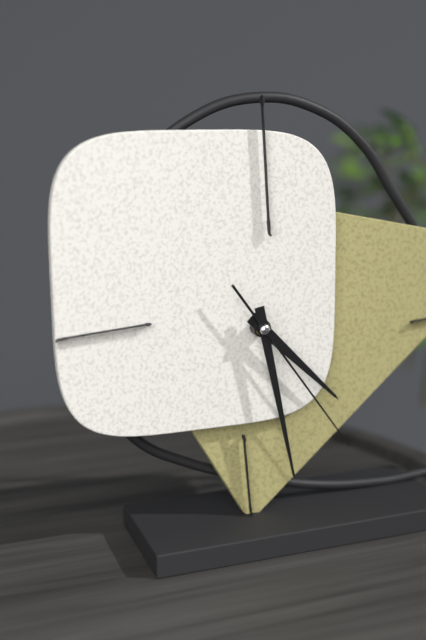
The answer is 4:28:24
